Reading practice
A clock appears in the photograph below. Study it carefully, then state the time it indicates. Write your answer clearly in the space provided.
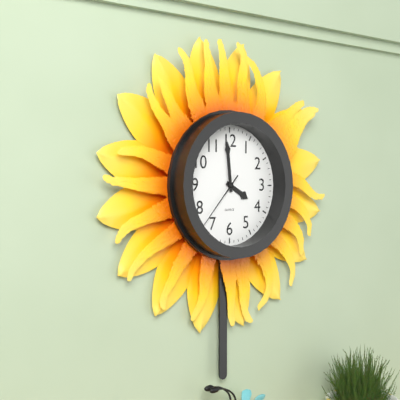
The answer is 3:59:37
